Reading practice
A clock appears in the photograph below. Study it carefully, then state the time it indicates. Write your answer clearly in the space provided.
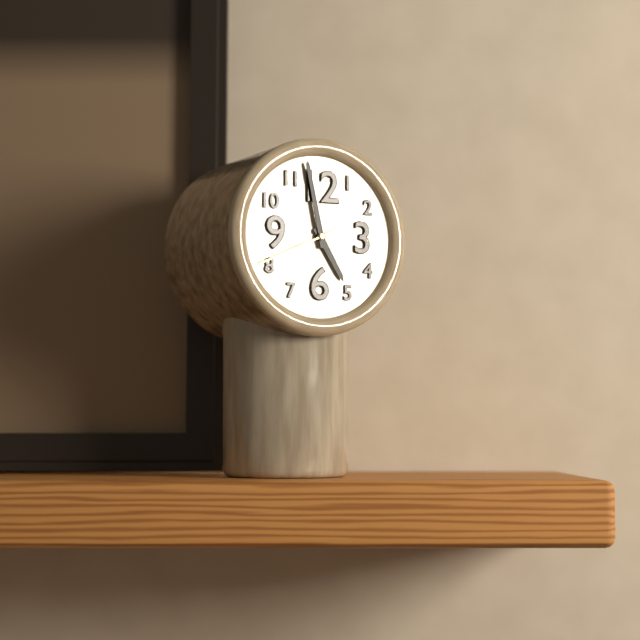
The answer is 4:58:41
